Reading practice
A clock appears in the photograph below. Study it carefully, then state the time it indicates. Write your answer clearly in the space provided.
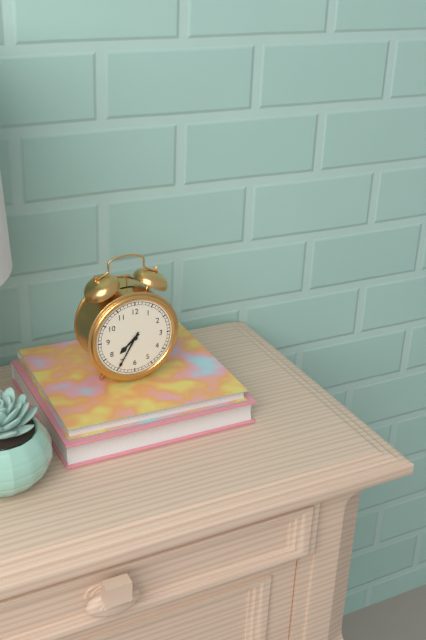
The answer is 7:35
